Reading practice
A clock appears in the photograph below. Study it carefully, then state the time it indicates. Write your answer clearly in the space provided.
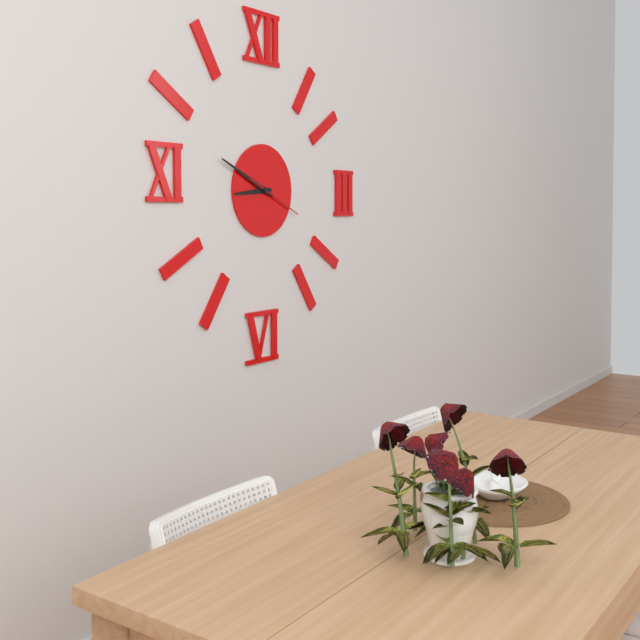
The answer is 8:49:19
